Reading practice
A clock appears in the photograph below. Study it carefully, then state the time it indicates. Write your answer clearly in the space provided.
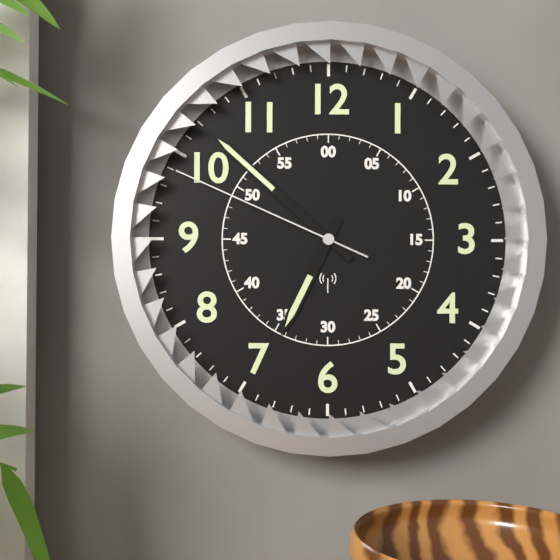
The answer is 6:52:49
